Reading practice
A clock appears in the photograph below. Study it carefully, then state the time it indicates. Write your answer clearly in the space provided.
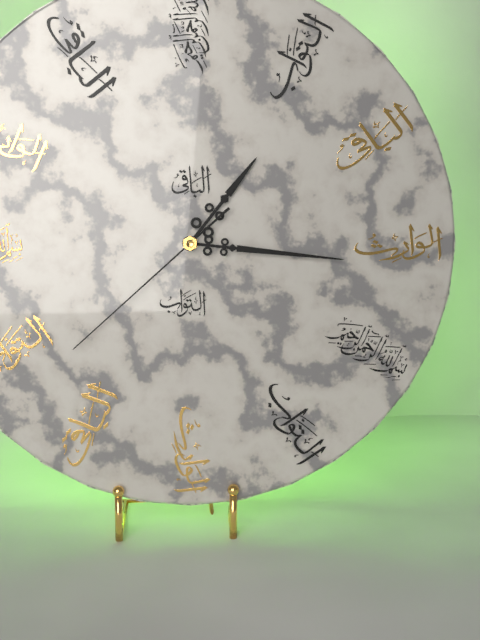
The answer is 1:16:38
